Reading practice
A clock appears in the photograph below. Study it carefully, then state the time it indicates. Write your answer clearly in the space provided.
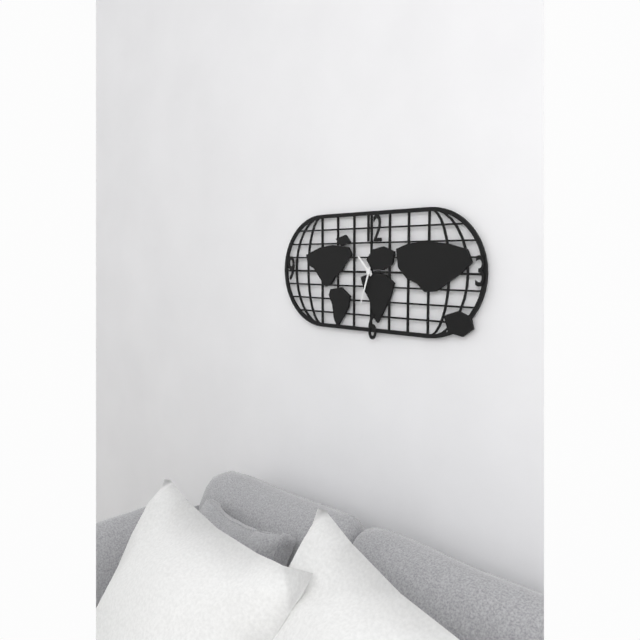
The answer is 10:33
